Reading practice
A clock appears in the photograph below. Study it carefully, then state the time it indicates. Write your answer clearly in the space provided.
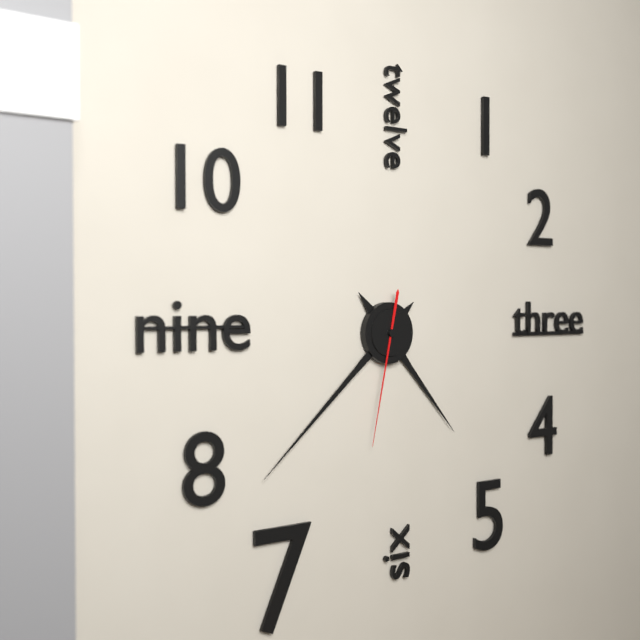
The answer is 4:38:32
